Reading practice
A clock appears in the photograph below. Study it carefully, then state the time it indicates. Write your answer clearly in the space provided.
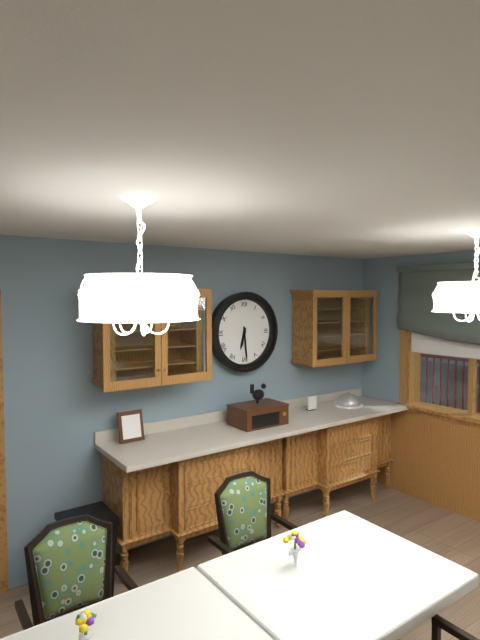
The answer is 6:29
